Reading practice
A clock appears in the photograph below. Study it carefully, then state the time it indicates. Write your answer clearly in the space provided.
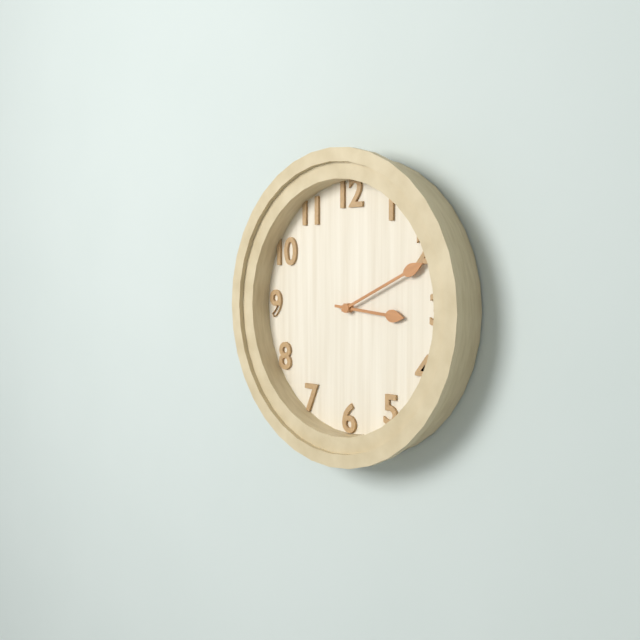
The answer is 3:11
